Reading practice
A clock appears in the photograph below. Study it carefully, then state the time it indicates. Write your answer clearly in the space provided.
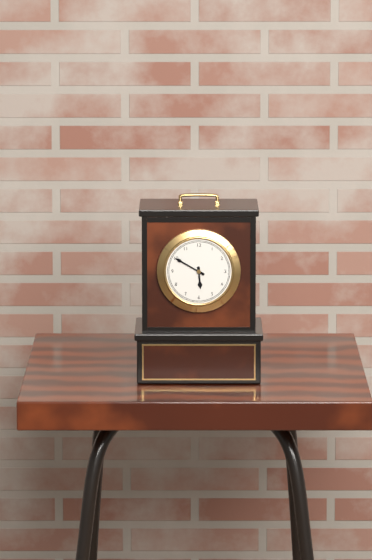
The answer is 5:50
